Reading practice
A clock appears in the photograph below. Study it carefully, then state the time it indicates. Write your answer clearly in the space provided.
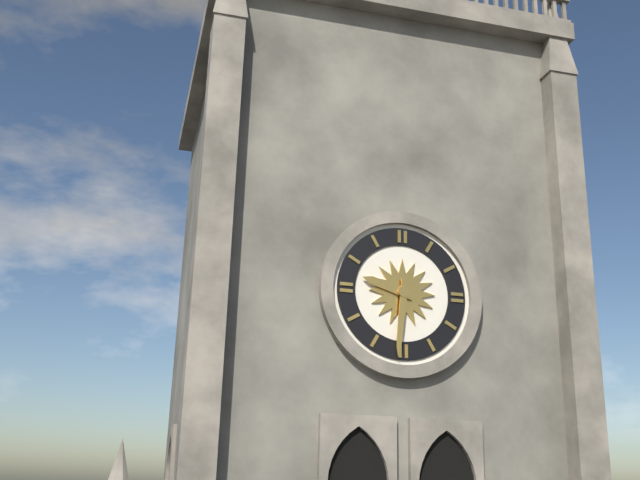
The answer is 9:31
